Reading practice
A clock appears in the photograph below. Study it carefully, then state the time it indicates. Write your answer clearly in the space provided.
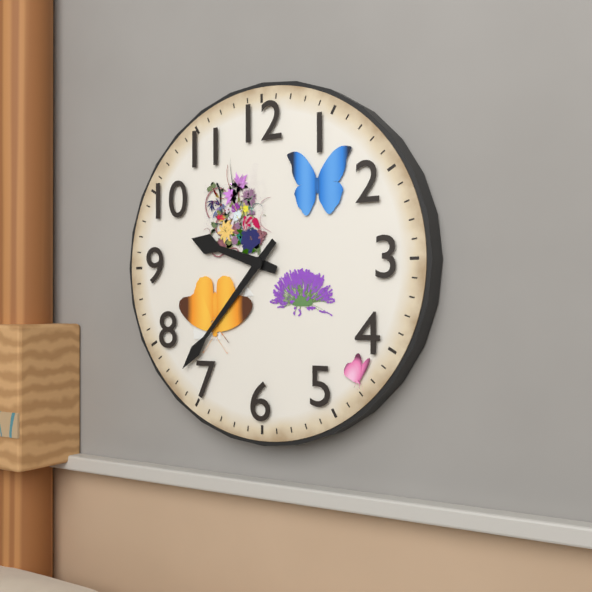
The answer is 9:37
